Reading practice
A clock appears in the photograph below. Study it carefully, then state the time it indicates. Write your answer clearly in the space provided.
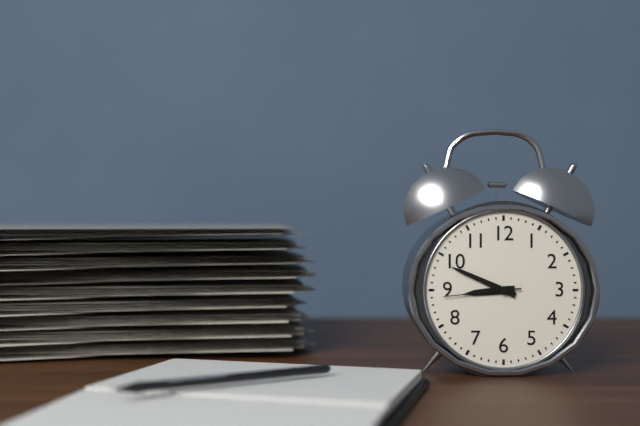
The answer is 8:49:44
